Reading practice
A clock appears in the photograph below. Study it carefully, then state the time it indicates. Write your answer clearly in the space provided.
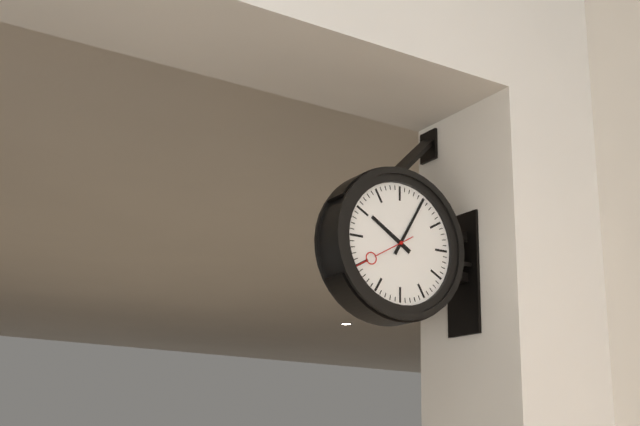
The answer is 10:05:40
